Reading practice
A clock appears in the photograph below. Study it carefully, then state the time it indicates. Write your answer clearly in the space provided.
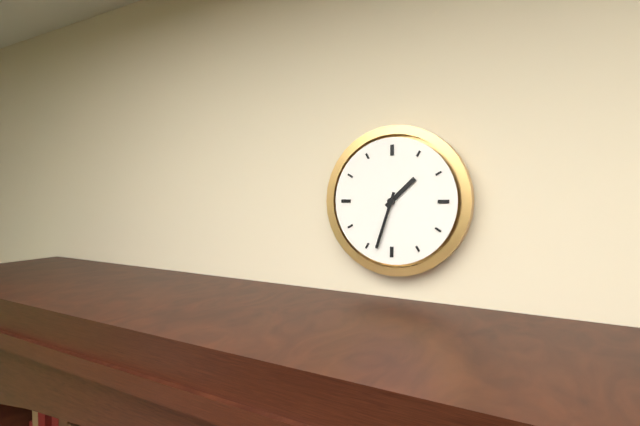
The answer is 1:33
